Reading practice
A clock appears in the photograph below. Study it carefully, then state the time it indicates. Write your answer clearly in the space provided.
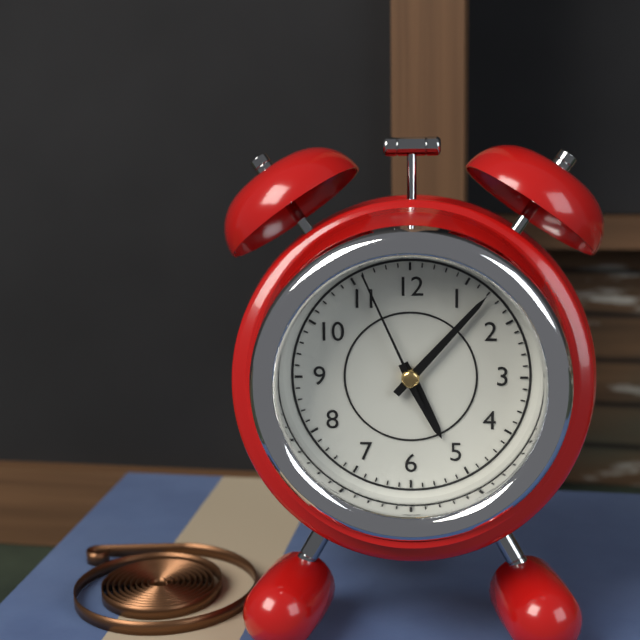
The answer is 5:07:56
